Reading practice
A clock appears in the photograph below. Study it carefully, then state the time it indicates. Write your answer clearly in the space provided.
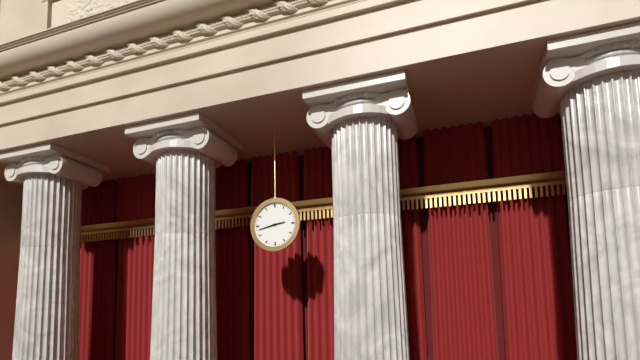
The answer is 2:43
